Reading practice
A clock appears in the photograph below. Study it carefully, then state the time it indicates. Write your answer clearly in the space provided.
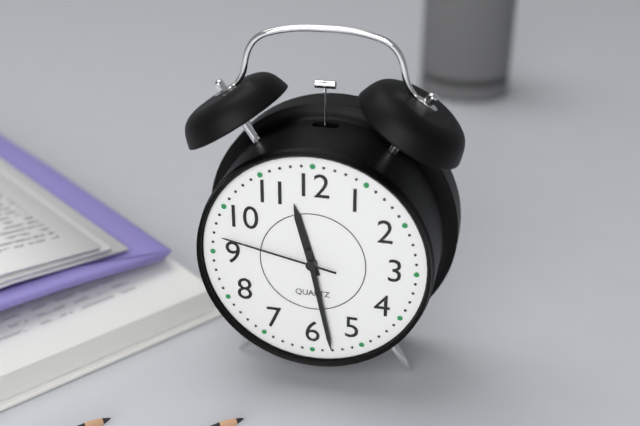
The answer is 11:28:47
